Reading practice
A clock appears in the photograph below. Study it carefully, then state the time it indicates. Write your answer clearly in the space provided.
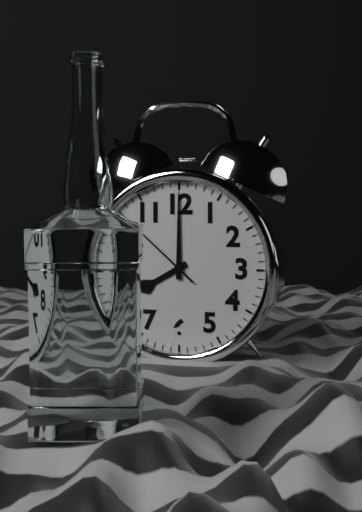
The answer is 8:00:52
